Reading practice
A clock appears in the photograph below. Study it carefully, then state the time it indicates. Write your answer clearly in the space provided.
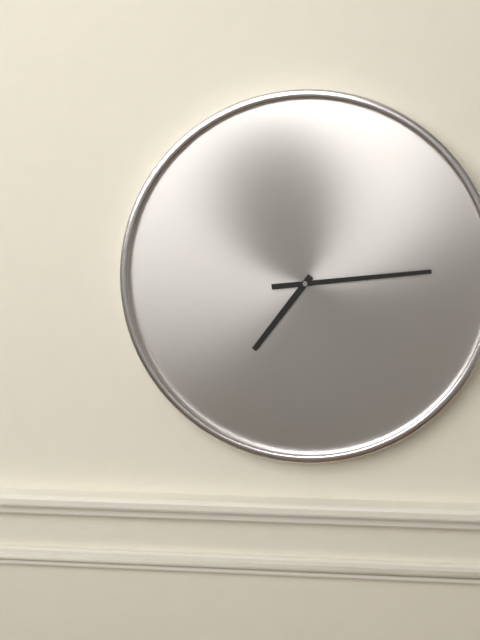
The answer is 7:14
